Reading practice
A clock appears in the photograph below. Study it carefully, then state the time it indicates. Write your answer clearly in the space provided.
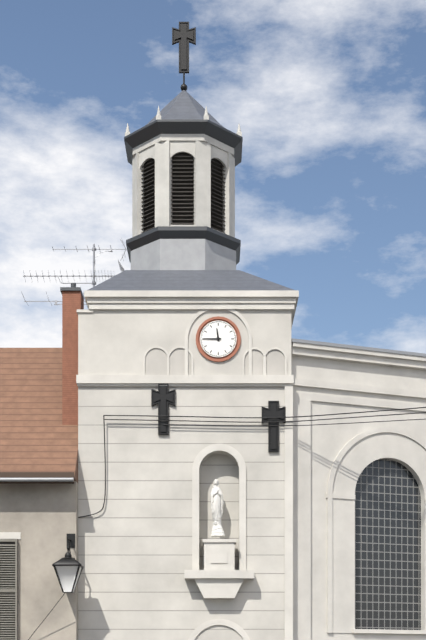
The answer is 11:45
